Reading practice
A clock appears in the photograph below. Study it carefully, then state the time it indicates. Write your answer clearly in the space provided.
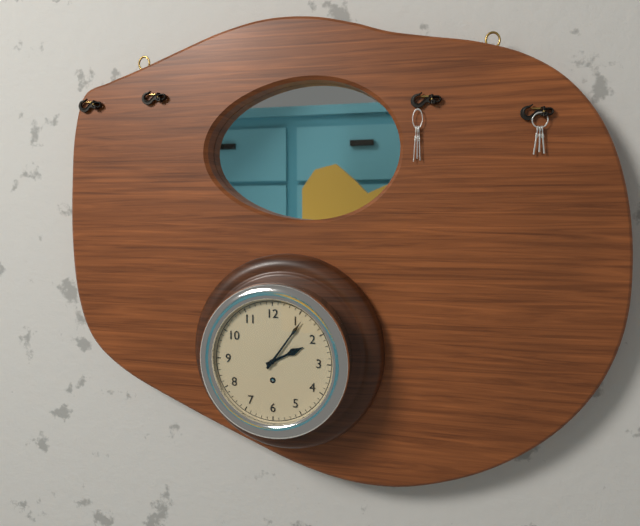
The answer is 2:06
